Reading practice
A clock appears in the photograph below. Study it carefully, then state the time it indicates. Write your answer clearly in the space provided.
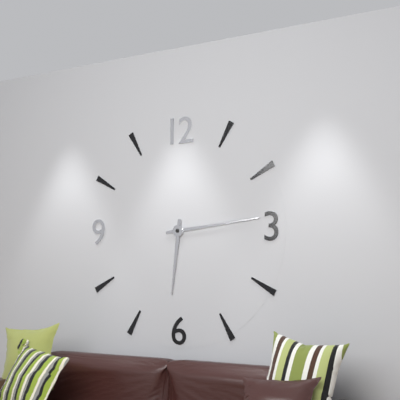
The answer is 6:14
